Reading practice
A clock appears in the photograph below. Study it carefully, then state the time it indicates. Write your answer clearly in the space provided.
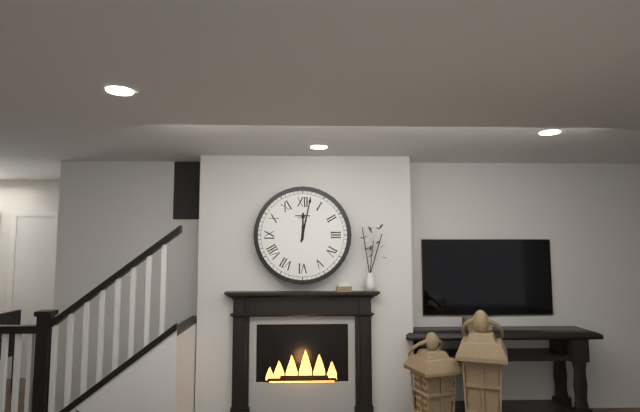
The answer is 12:02
